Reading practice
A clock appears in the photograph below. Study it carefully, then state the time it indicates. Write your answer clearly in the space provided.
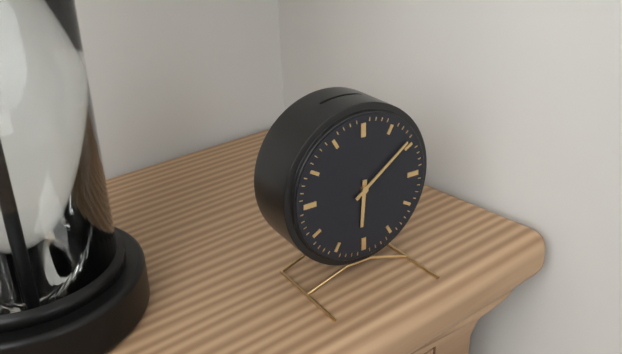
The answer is 6:09
